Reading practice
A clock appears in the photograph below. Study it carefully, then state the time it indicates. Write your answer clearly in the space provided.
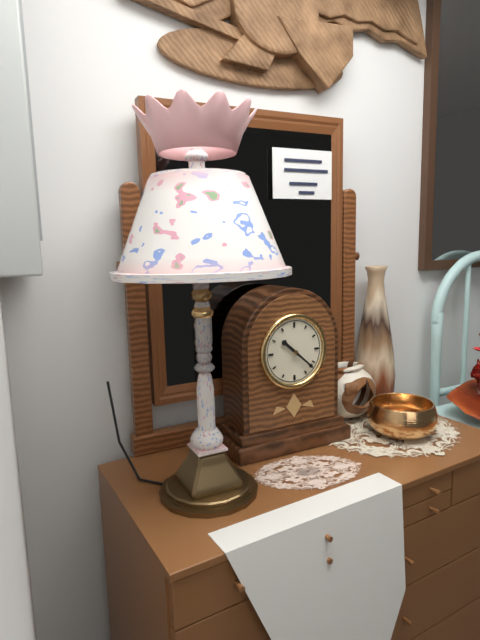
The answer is 10:22
